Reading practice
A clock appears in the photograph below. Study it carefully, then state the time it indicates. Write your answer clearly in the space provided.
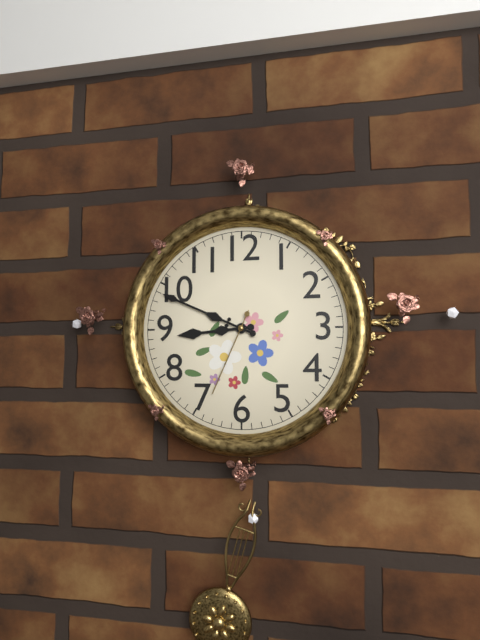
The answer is 8:49:34
